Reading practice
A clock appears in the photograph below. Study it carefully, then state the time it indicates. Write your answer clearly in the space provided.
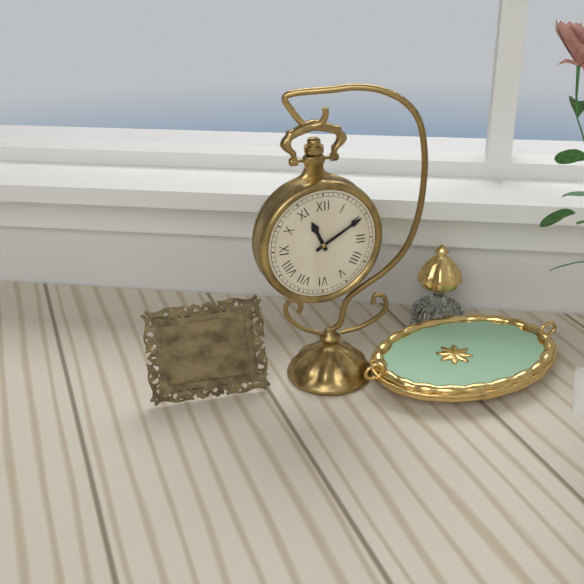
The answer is 11:10
